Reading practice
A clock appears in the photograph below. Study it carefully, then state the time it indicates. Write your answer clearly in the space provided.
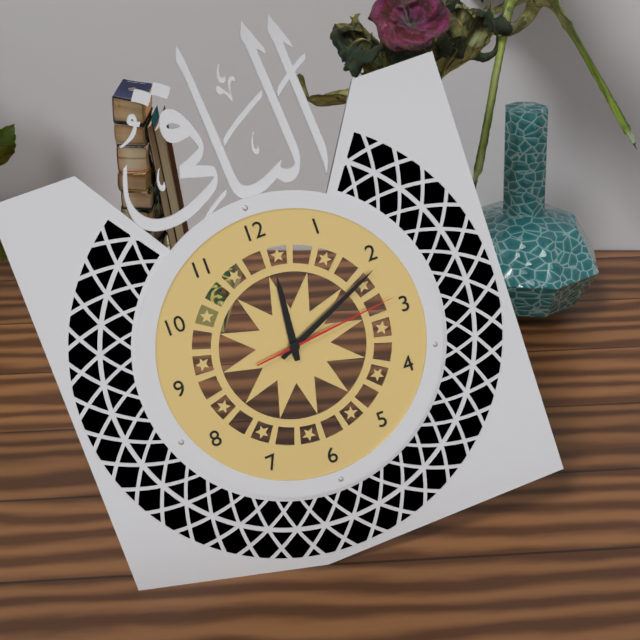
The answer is 12:11:14
